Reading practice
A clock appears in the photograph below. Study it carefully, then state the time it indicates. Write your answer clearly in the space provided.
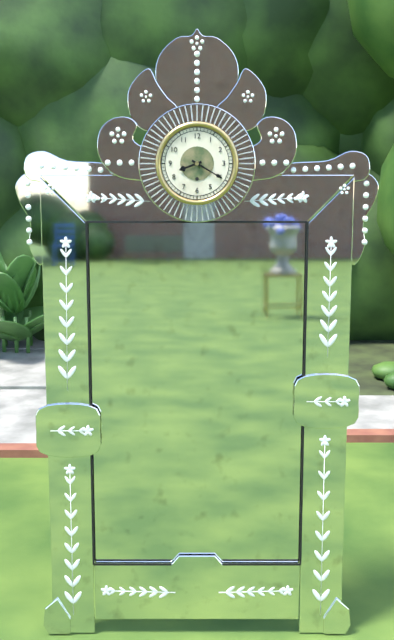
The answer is 8:20
